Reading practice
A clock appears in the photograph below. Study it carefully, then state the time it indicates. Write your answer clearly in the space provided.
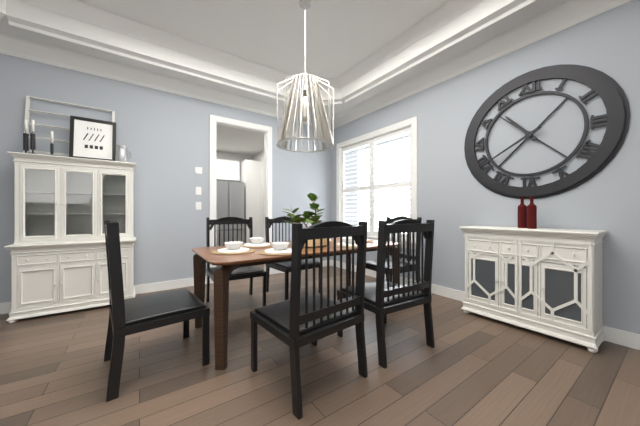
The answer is 10:40
